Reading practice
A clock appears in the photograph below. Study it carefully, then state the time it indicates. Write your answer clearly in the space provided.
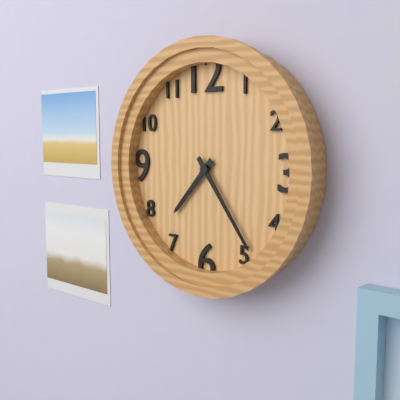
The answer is 7:24
